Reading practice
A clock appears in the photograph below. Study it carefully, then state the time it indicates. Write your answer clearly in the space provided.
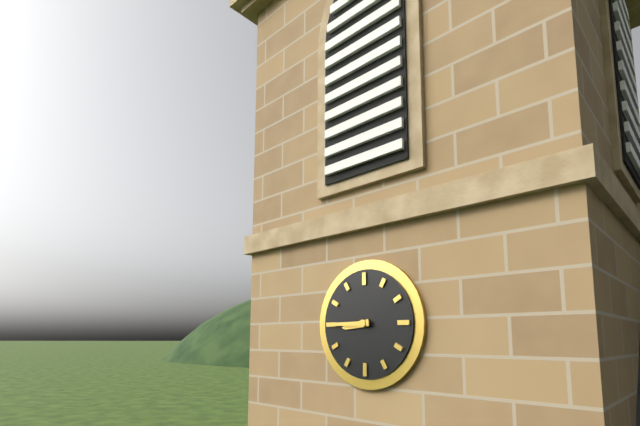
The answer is 8:45
